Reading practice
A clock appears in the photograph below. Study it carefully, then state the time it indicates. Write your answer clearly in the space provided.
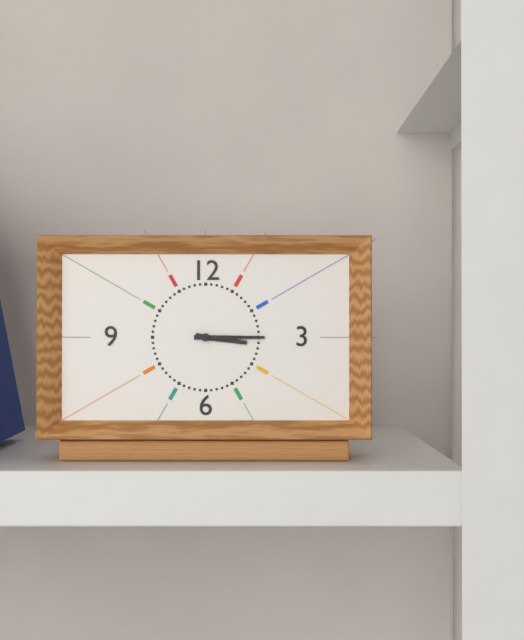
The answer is 3:15
